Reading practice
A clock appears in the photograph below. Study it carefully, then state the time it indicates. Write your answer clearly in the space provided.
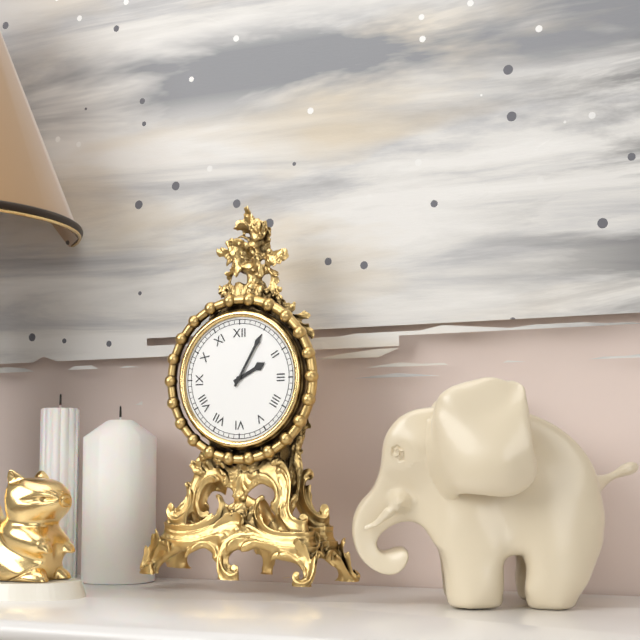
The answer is 2:05
